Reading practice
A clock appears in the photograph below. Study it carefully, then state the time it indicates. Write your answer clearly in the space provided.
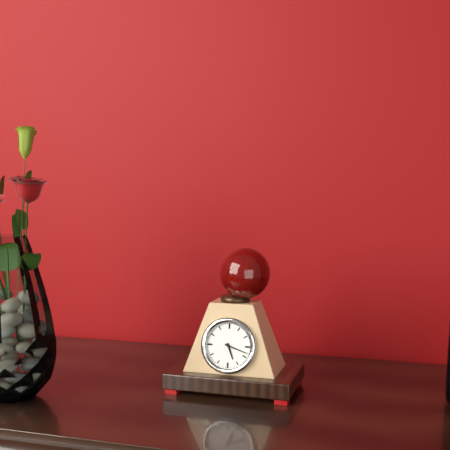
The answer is 5:18
